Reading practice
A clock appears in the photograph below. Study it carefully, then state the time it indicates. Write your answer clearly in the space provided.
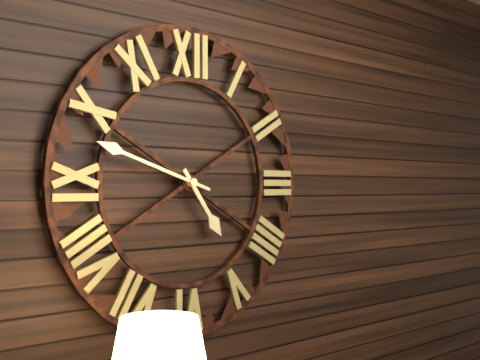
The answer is 4:48
